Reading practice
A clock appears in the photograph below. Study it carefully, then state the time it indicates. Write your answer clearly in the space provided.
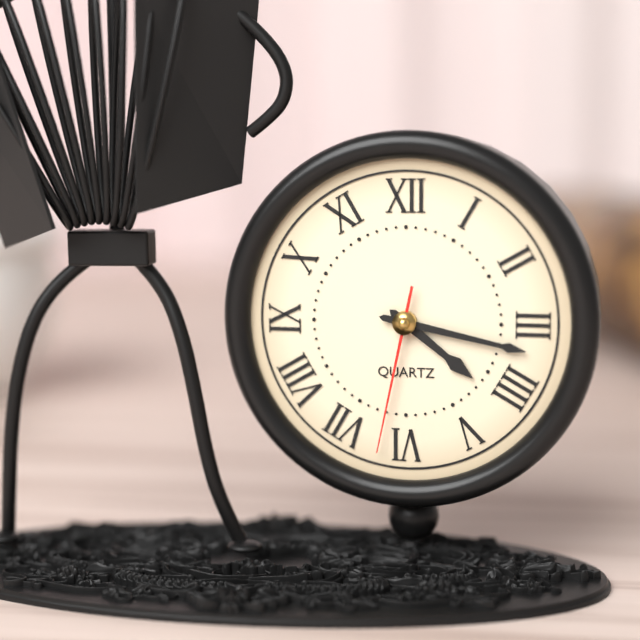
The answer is 4:17:32
